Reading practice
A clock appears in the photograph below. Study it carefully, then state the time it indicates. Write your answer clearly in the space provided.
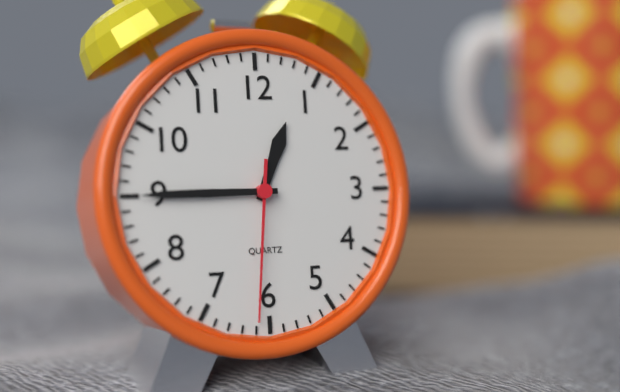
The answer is 12:45:31
